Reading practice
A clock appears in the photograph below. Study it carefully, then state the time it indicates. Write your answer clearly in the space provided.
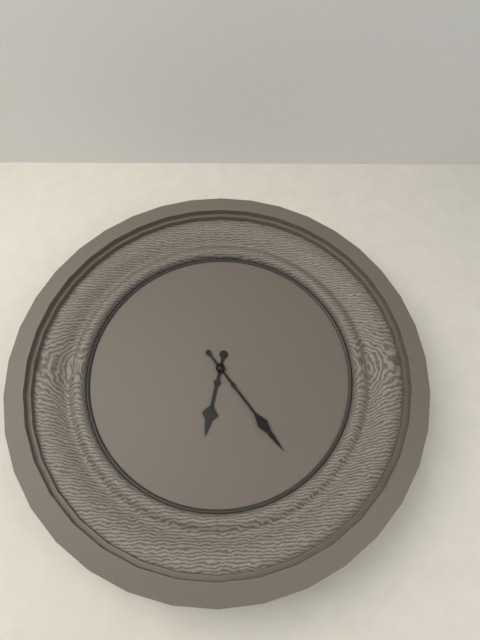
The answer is 6:24
